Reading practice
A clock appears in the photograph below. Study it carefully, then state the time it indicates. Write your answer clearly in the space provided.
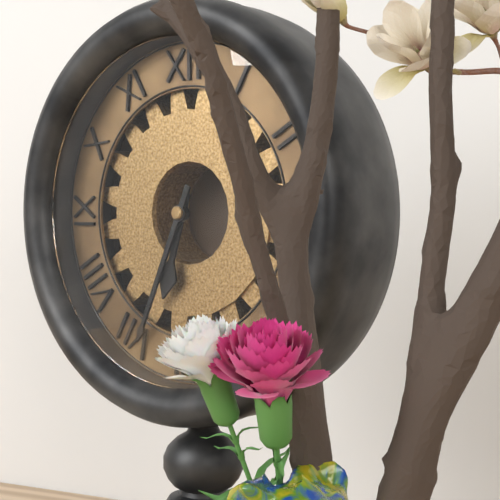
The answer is 6:34
